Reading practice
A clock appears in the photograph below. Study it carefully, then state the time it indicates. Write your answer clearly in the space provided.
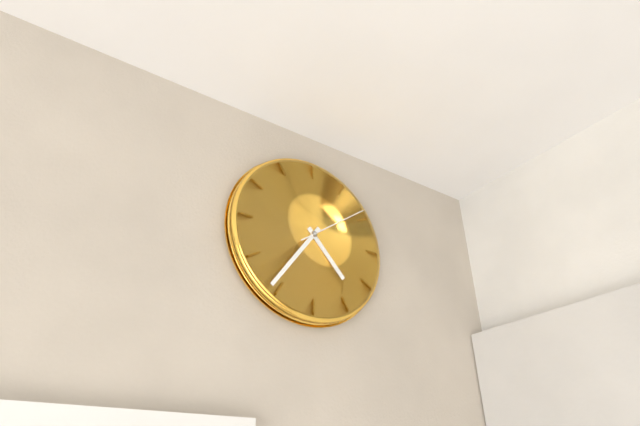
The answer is 4:36:09
